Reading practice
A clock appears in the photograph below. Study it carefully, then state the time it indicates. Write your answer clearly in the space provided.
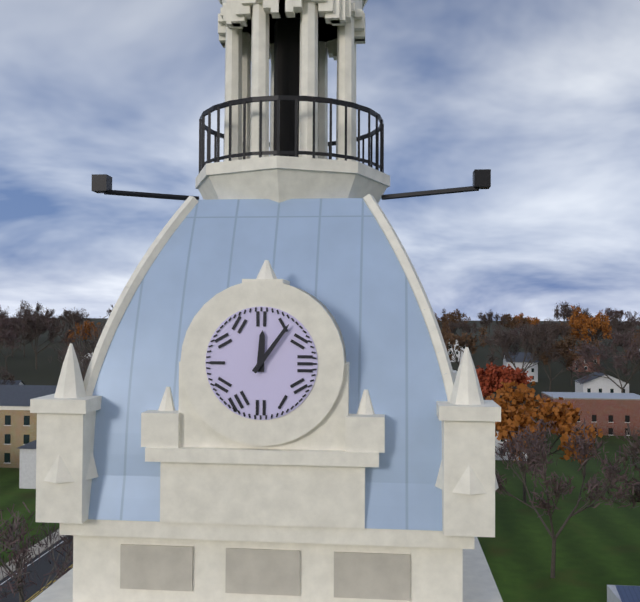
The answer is 12:06
